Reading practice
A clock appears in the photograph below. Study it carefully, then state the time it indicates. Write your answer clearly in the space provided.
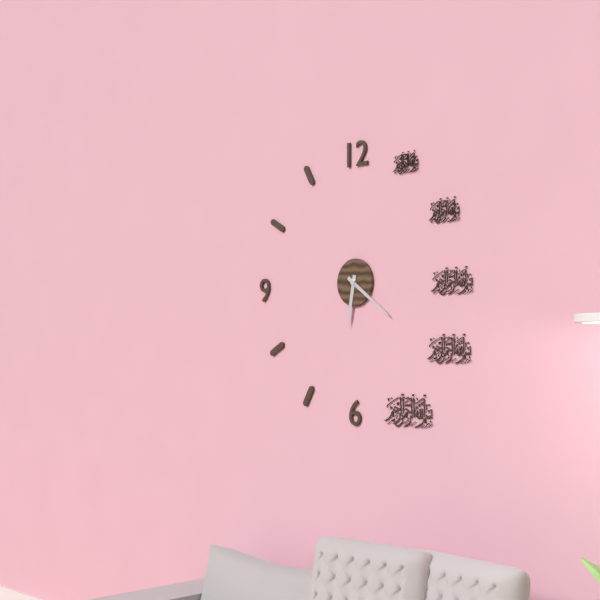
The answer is 6:21
